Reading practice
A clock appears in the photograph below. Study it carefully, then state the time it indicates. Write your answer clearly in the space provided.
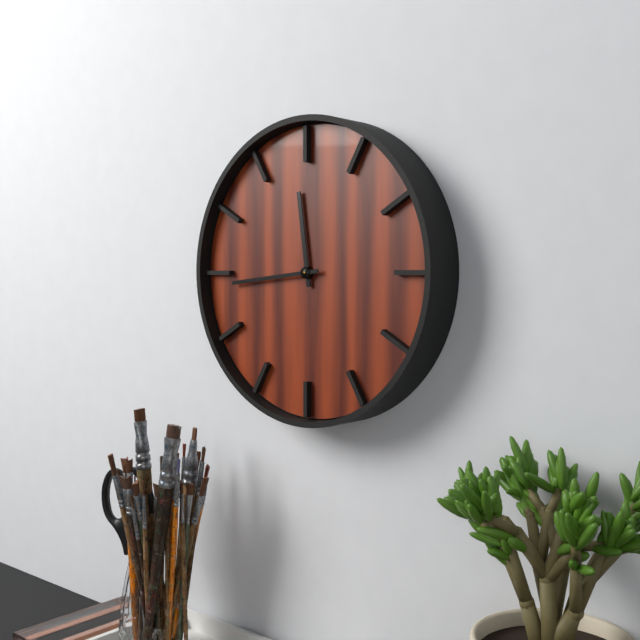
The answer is 11:44
